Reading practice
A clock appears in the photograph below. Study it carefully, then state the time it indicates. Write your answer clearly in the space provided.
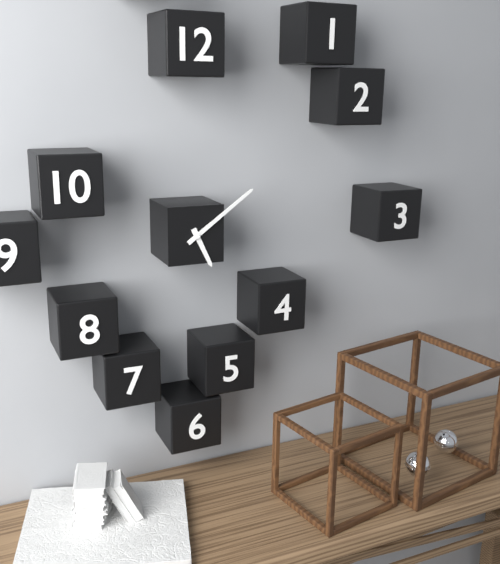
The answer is 5:09
